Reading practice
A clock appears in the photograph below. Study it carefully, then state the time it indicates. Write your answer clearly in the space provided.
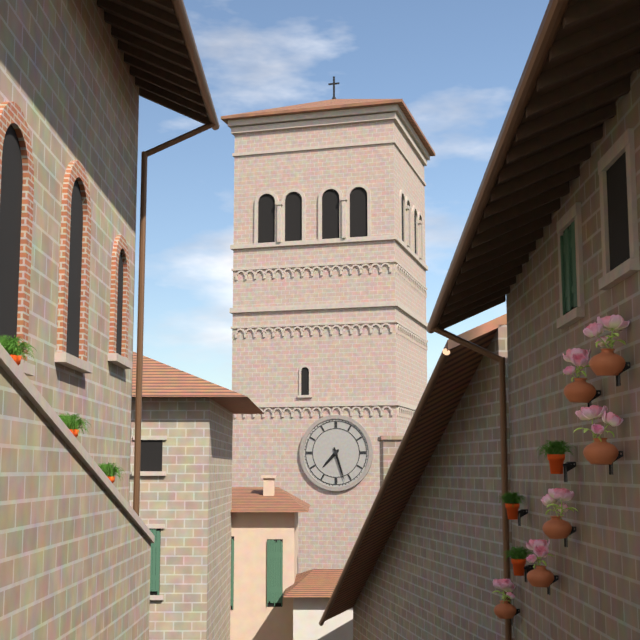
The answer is 7:27
